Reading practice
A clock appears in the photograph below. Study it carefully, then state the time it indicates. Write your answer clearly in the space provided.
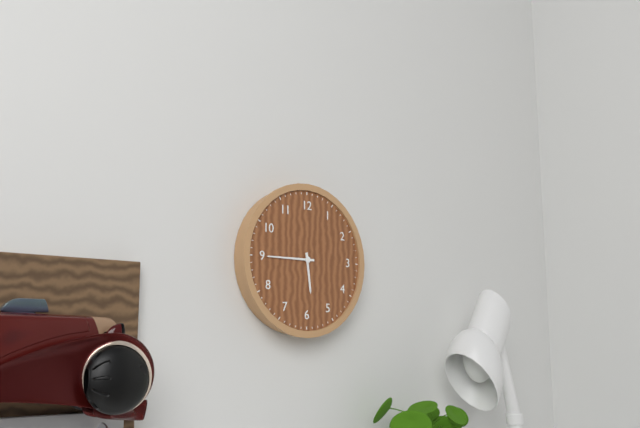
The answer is 5:45
